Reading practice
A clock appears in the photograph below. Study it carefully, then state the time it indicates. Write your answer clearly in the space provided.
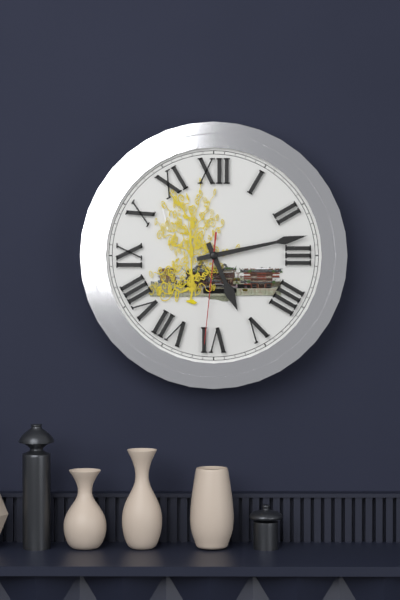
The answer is 5:13:31
